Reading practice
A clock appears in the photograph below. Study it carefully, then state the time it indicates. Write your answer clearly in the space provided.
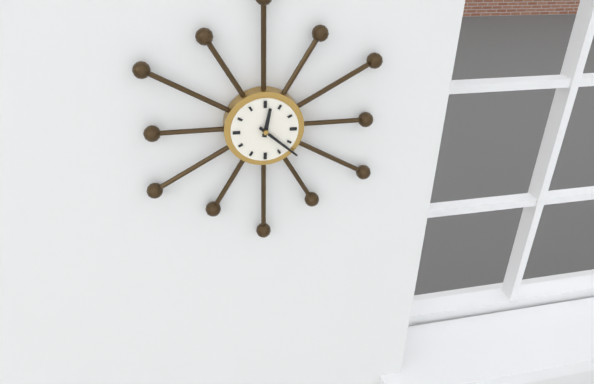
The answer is 12:22
